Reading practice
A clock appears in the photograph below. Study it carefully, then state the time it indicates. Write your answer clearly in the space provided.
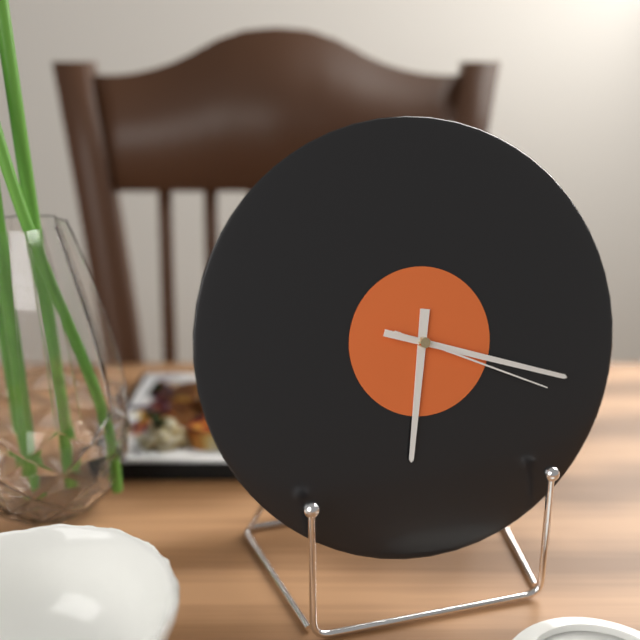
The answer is 6:18:19
